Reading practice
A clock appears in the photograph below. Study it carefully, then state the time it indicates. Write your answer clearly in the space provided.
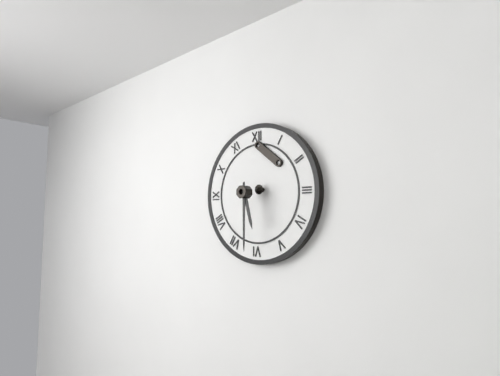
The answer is 5:30
